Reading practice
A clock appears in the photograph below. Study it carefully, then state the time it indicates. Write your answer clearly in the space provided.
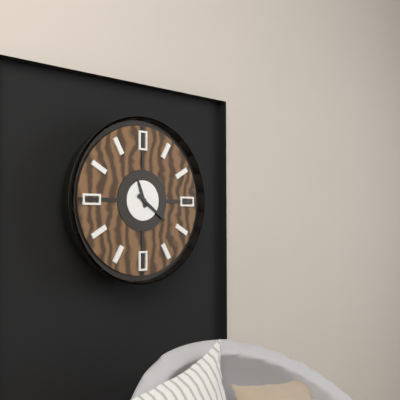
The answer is 11:21
